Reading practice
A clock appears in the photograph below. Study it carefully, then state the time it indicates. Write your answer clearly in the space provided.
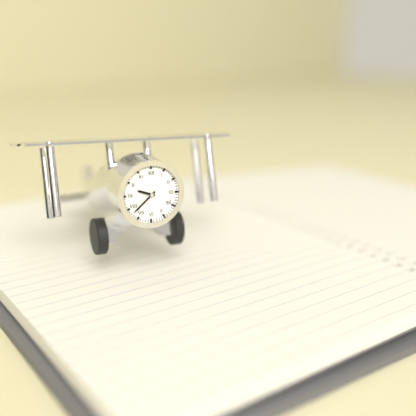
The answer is 9:38
